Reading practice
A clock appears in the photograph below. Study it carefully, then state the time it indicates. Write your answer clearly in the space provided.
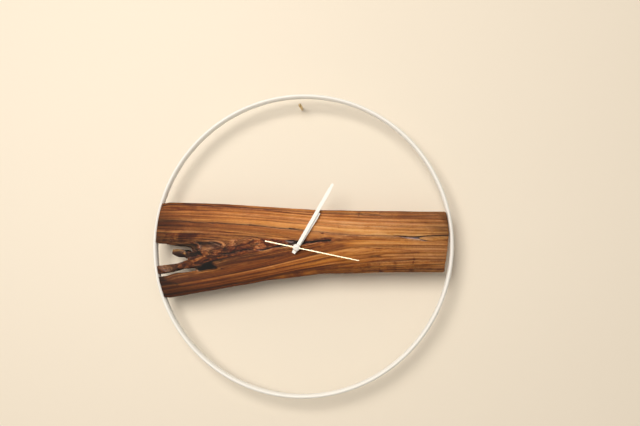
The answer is 1:05:17
